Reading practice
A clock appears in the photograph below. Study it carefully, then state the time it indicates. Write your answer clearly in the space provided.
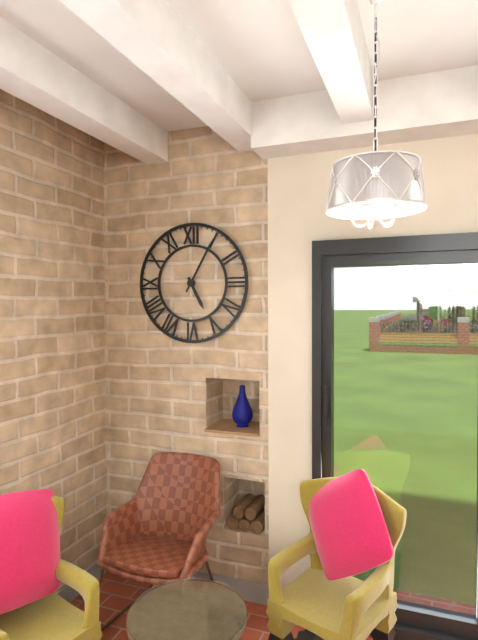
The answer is 5:05
